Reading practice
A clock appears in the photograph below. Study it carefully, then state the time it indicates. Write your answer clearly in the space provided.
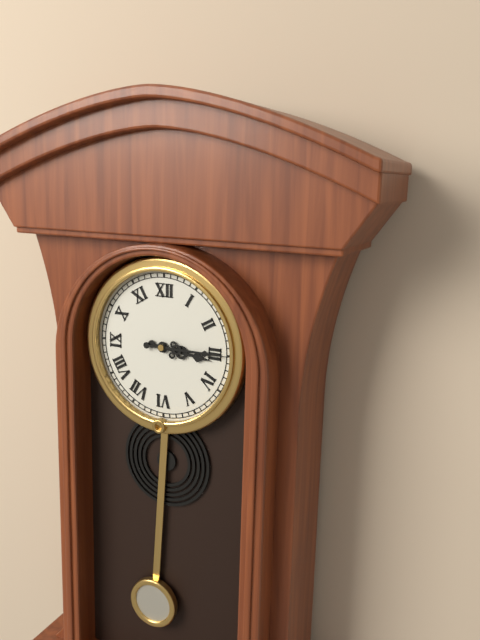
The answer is 3:15
